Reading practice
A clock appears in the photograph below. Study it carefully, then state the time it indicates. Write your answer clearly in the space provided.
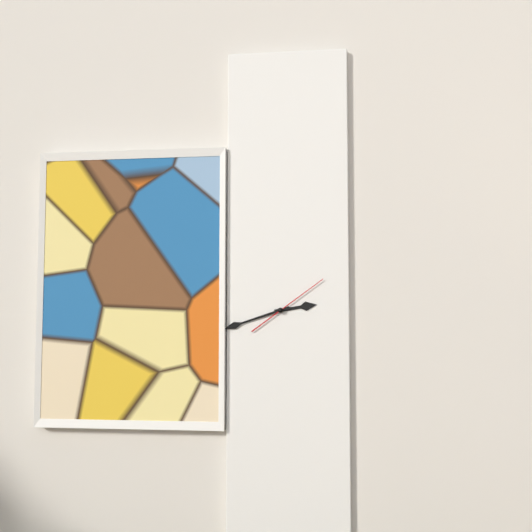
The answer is 2:42:09
